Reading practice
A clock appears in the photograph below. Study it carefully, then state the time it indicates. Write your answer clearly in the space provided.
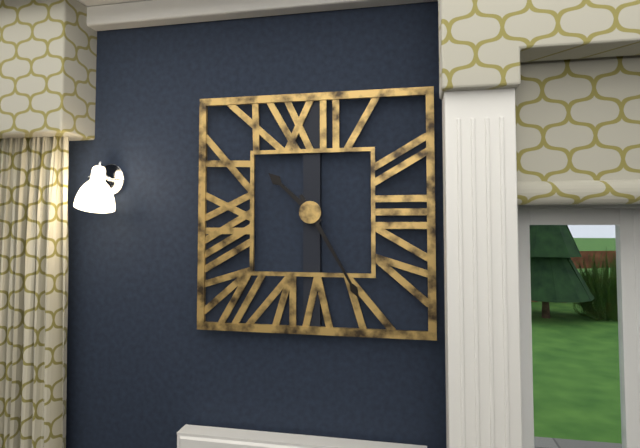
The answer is 10:25
